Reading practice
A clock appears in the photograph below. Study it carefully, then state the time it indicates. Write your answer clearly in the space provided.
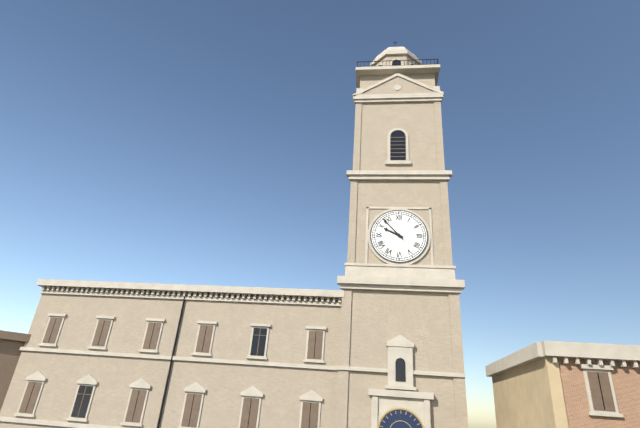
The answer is 9:53
